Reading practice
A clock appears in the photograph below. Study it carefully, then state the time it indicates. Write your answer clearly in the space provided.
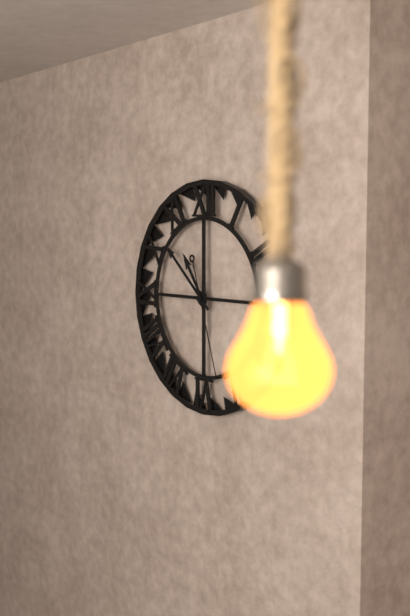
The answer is 10:52:27
